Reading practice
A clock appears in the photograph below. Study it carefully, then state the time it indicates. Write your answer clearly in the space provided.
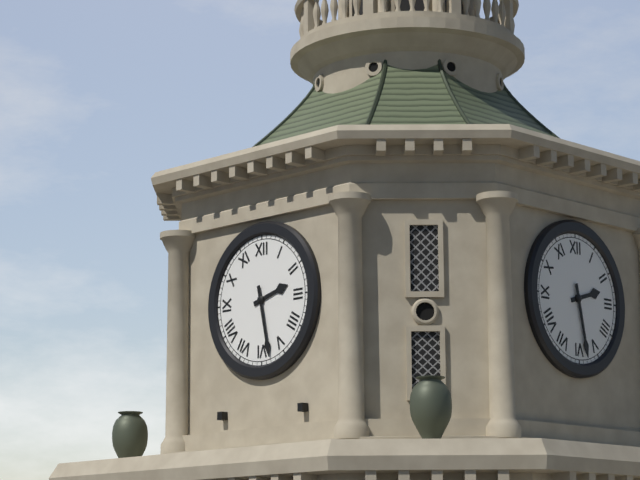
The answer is 2:28
